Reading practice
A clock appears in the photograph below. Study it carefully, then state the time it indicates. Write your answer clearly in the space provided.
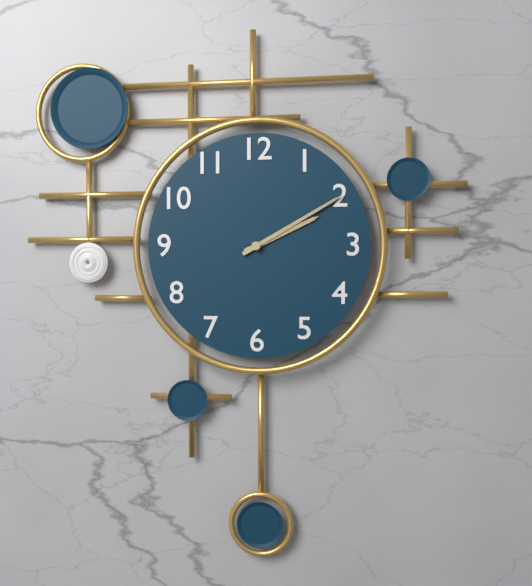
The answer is 2:10
